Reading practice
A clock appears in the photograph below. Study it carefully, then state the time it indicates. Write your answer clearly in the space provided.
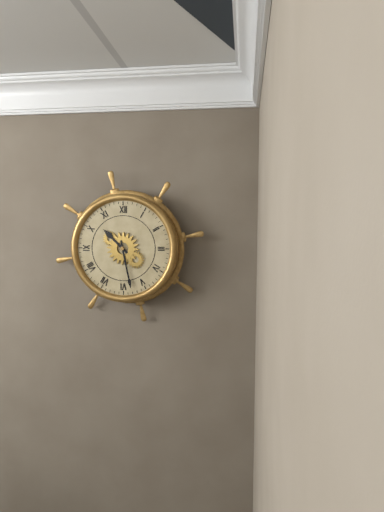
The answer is 10:28
